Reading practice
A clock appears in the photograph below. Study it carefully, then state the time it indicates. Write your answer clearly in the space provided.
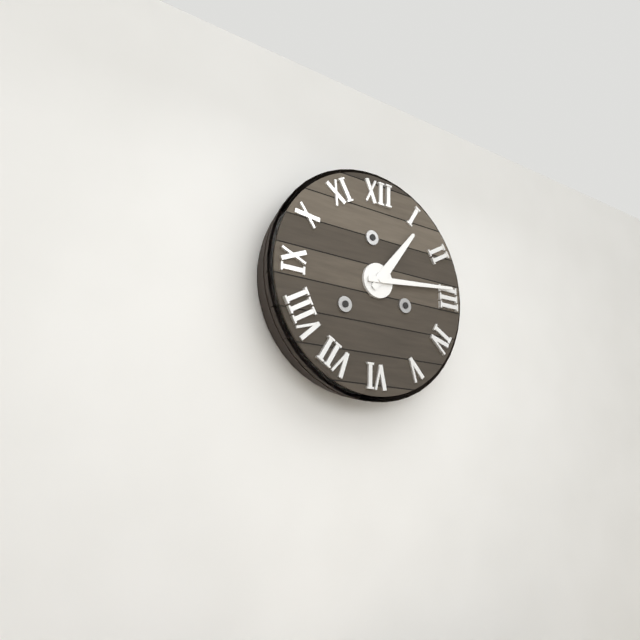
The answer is 1:14
